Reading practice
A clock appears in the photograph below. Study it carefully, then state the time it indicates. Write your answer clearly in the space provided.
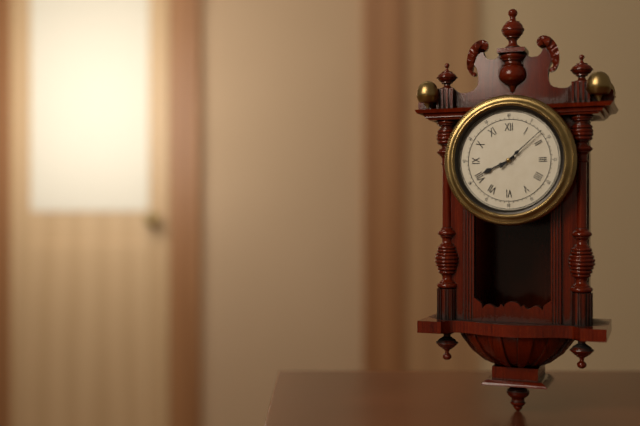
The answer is 8:08
